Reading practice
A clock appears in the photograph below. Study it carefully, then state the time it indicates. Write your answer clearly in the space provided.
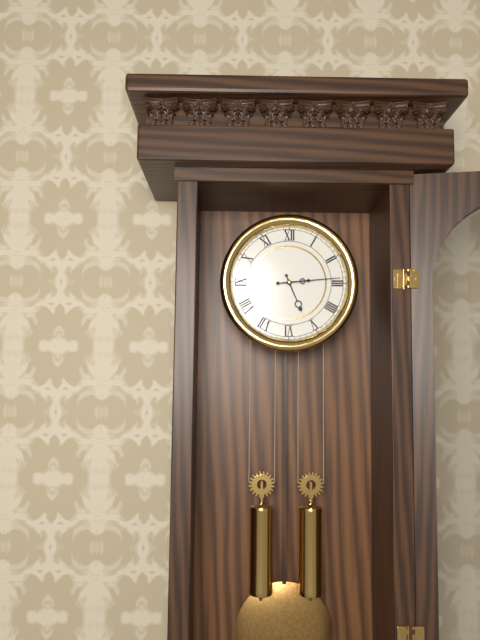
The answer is 5:14
